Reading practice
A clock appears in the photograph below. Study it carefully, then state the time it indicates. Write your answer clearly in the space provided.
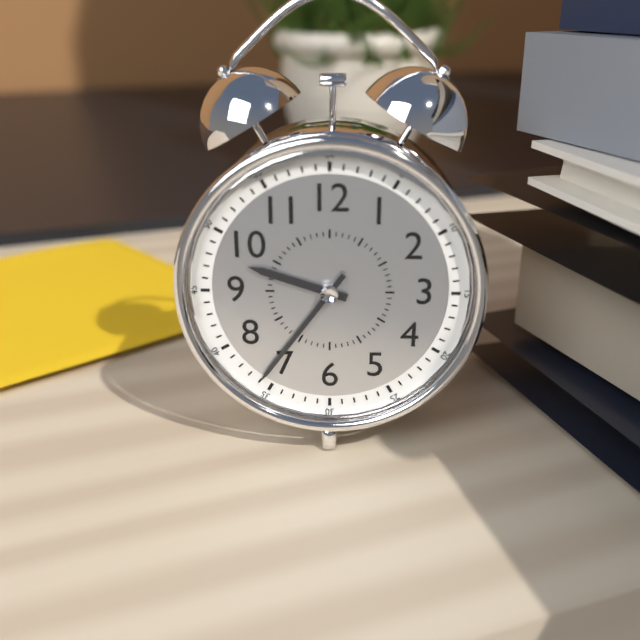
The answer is 9:36
